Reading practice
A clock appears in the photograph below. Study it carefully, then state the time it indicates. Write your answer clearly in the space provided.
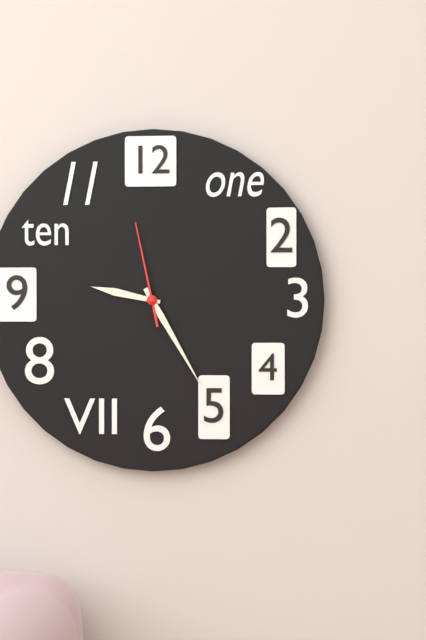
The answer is 9:25:58
